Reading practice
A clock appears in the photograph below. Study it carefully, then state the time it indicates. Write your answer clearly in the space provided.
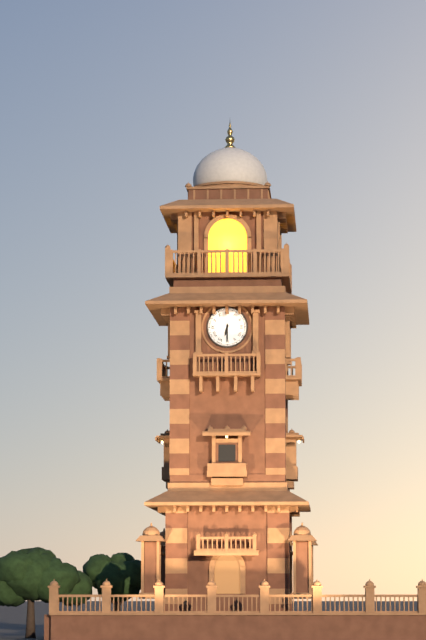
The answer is 6:30
